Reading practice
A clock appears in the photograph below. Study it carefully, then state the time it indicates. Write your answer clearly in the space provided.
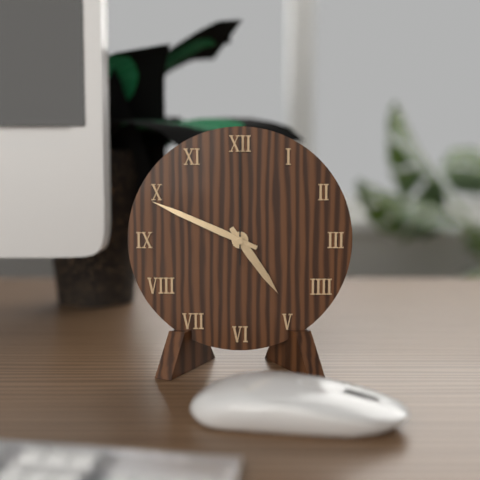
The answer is 4:49:00
